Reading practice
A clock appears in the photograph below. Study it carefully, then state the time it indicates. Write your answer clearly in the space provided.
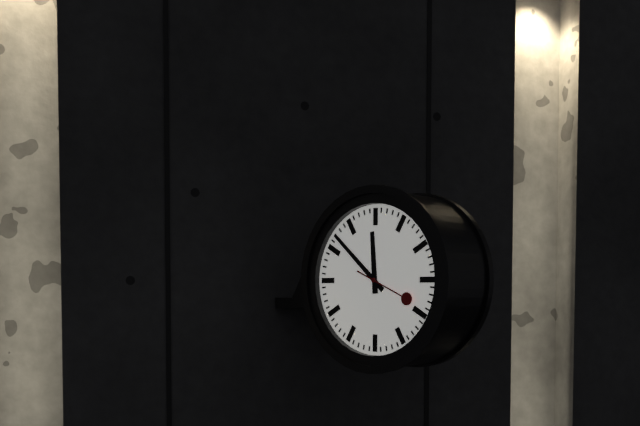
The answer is 11:52
